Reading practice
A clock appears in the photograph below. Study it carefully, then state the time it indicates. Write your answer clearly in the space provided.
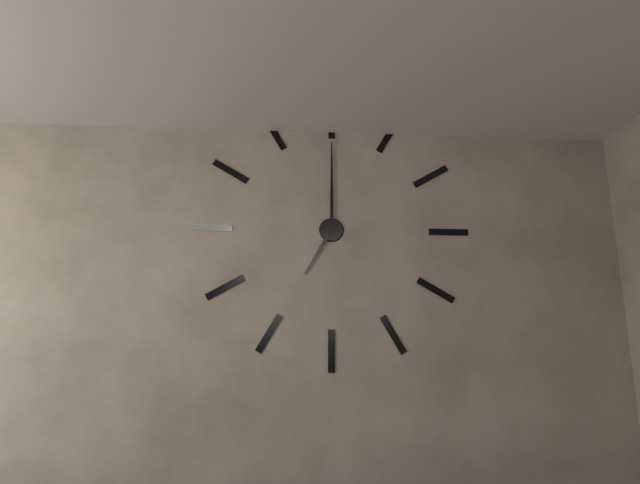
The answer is 7:00
